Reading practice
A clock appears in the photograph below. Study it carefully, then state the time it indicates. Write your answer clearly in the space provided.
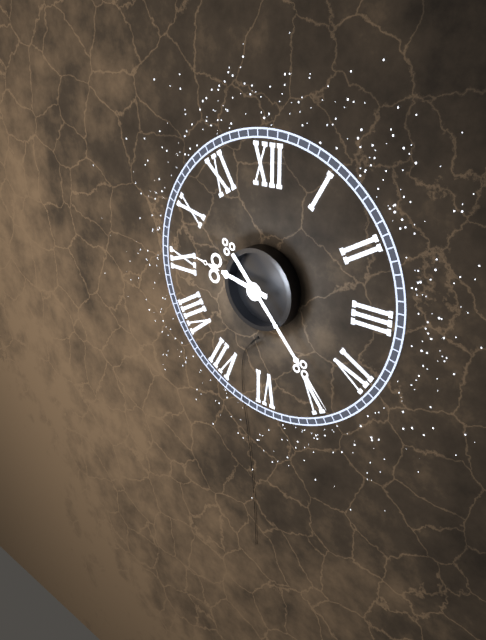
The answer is 9:23
